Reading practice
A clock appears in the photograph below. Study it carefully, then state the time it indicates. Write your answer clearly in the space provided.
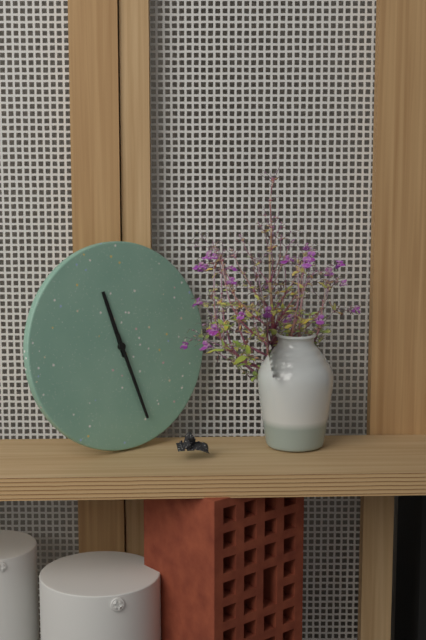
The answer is 11:27
